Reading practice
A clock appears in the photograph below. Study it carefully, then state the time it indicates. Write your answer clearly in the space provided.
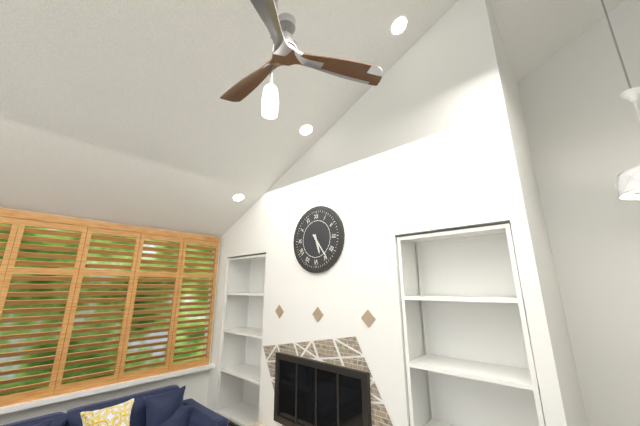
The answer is 5:24
